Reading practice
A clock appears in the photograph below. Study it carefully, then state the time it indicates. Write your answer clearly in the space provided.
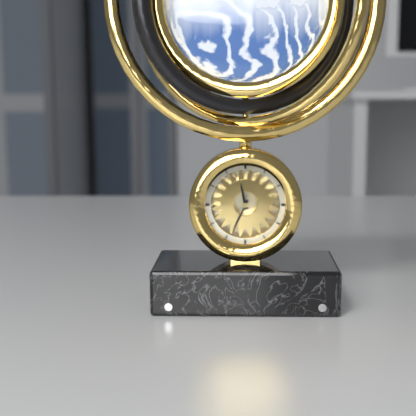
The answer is 11:34
